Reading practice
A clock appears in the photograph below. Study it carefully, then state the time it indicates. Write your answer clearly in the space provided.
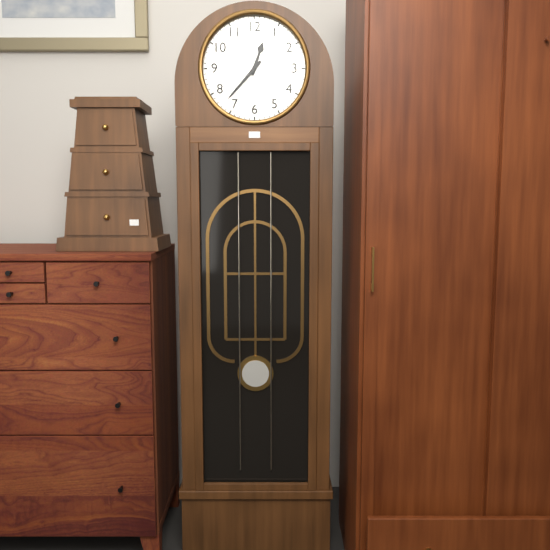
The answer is 12:37
